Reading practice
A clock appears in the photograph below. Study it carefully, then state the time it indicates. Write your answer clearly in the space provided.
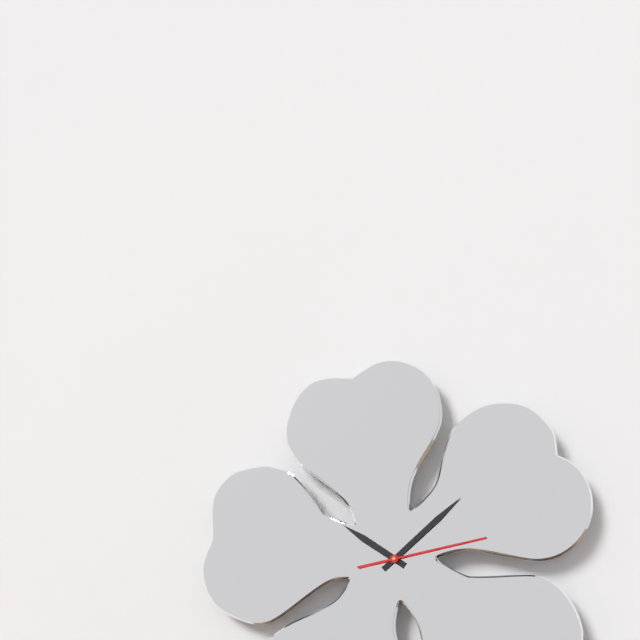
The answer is 10:08:13
